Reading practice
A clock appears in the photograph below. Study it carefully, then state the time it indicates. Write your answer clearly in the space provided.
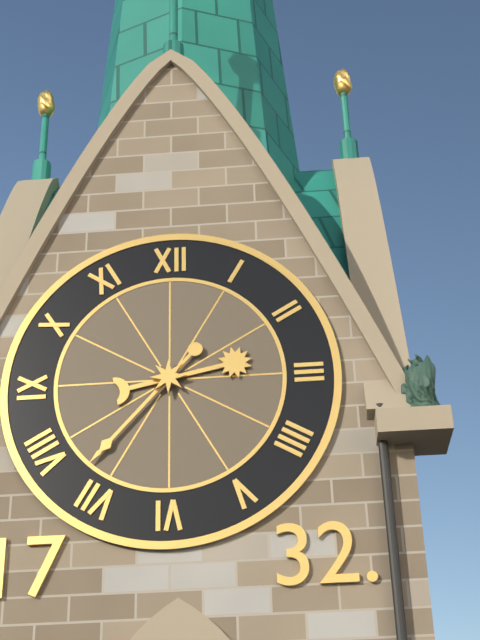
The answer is 2:37
